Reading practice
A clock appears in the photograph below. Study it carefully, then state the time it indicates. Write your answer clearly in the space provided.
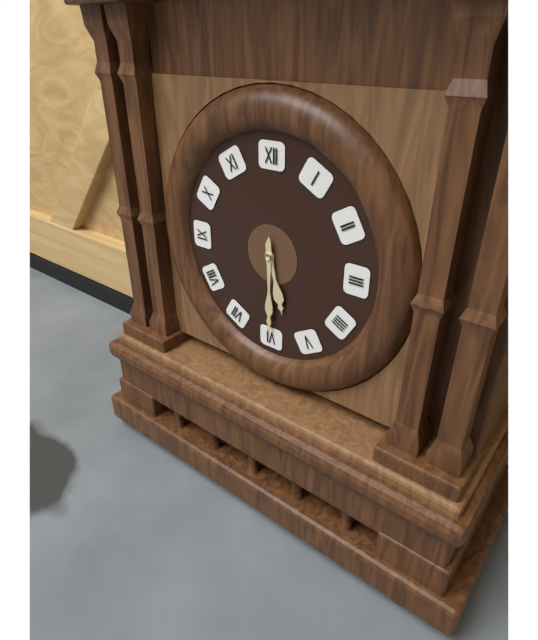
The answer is 5:30
